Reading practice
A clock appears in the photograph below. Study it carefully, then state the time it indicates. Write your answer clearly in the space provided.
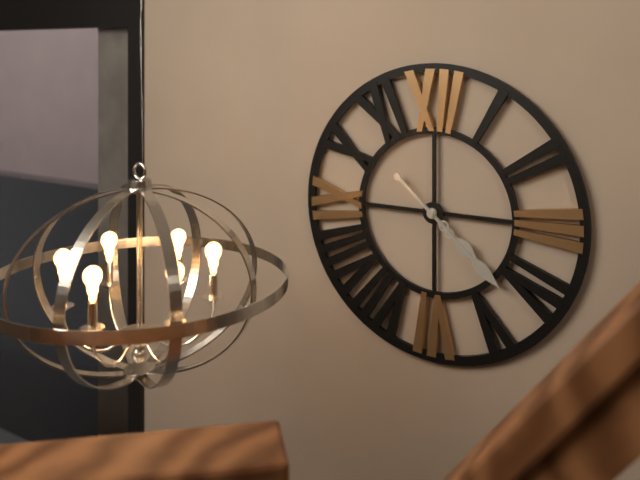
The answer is 4:22
